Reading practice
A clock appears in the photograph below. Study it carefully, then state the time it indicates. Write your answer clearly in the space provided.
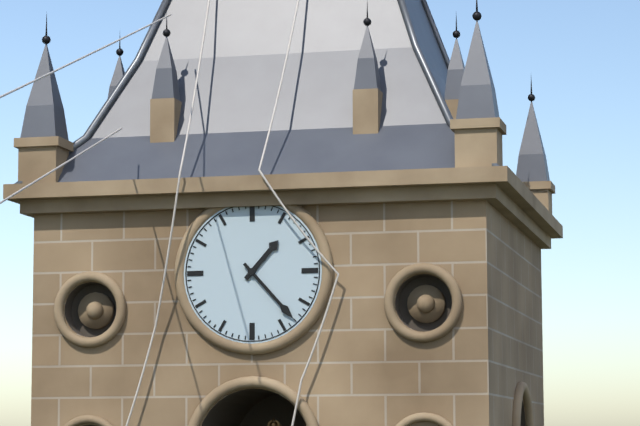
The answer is 1:23
